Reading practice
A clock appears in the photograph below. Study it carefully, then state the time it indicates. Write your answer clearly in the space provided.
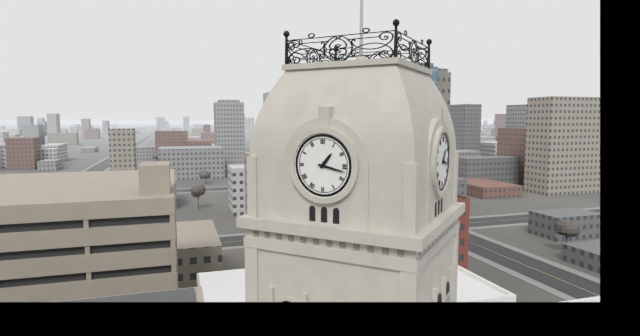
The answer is 1:17
